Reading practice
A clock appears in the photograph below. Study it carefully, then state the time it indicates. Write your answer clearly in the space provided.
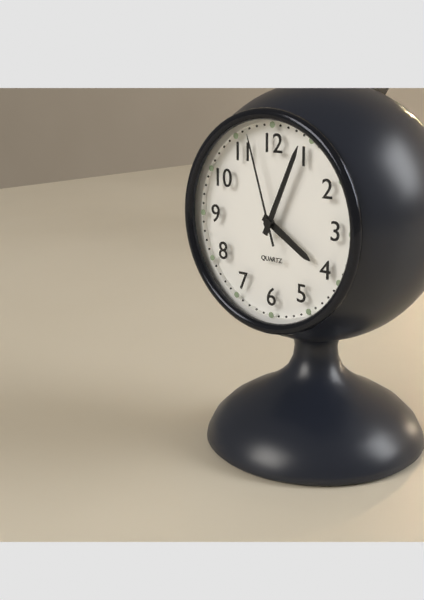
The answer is 4:04:57
